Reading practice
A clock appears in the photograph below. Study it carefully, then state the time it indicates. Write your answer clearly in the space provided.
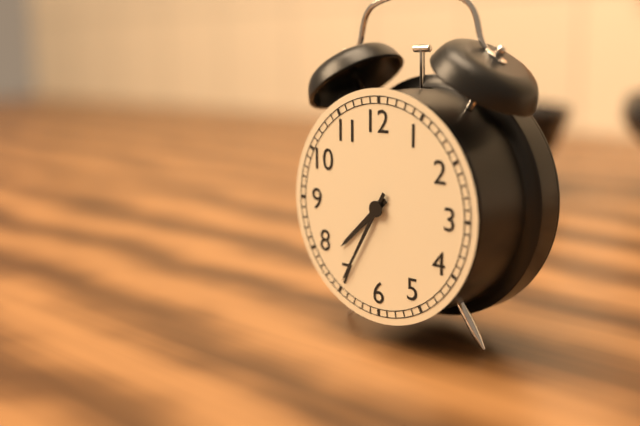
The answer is 7:35
